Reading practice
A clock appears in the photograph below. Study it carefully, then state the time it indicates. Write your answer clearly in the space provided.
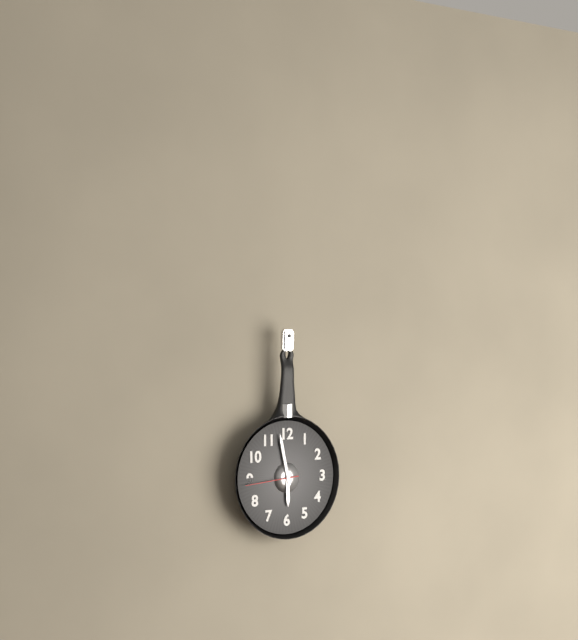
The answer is 5:58:44
